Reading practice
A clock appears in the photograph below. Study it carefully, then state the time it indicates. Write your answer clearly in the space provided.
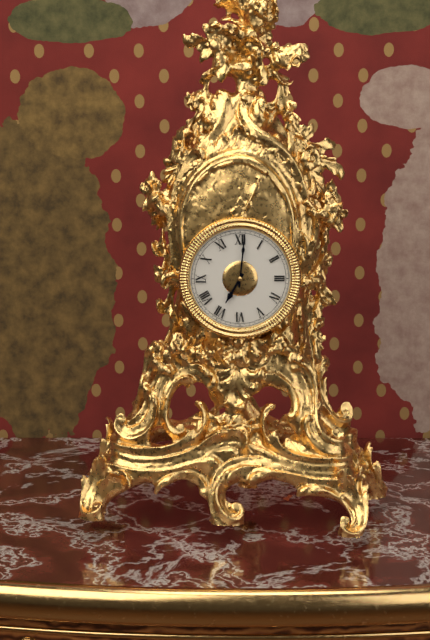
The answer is 7:01
